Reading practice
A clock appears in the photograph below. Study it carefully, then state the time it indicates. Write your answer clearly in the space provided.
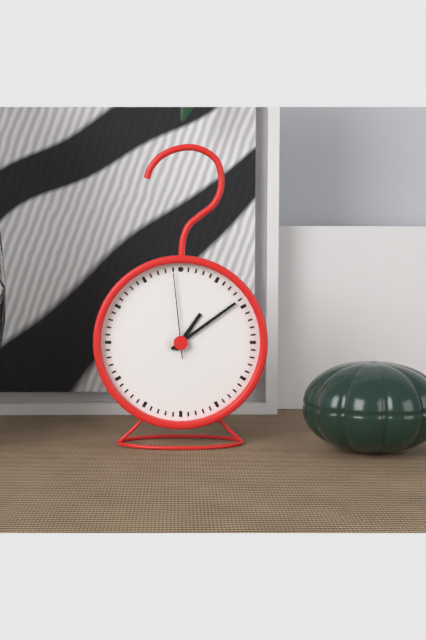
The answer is 1:09:59
